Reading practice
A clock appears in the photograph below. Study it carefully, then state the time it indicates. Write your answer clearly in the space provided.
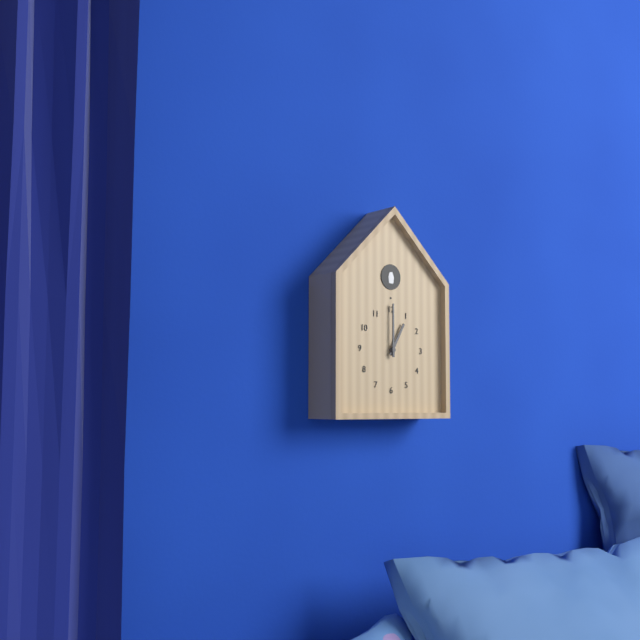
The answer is 1:00
